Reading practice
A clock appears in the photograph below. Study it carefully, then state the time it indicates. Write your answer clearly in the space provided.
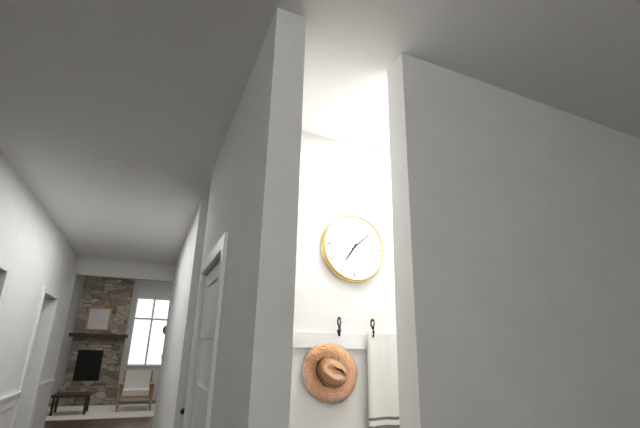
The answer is 7:08
